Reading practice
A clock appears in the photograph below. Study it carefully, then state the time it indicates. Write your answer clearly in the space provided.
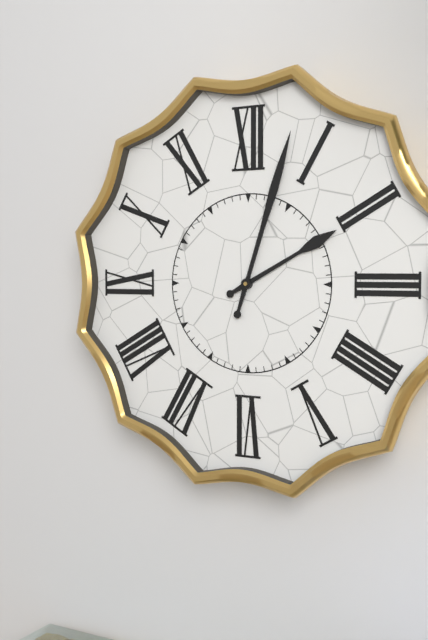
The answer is 2:03
